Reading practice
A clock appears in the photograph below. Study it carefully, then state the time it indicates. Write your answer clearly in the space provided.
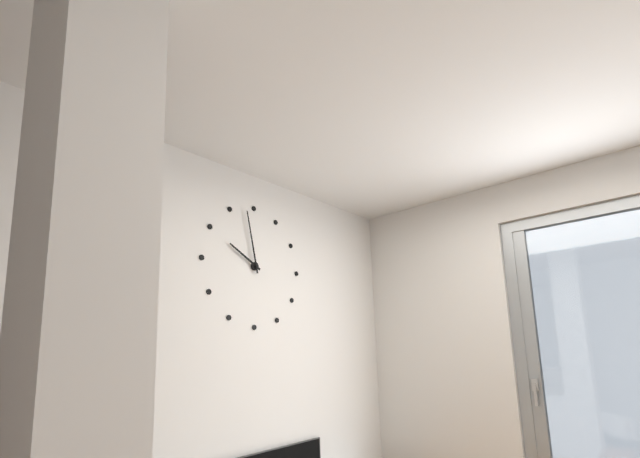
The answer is 9:58
